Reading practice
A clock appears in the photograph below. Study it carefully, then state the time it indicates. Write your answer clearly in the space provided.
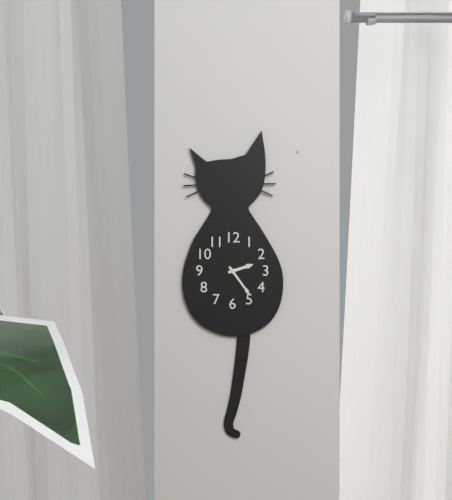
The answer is 2:24
